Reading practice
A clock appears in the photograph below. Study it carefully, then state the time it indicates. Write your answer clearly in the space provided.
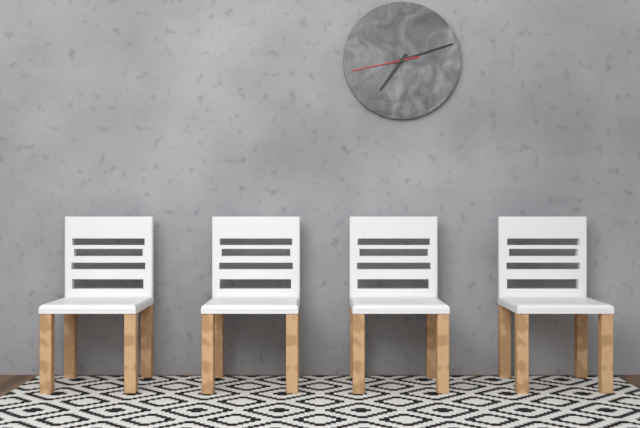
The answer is 7:12:43
